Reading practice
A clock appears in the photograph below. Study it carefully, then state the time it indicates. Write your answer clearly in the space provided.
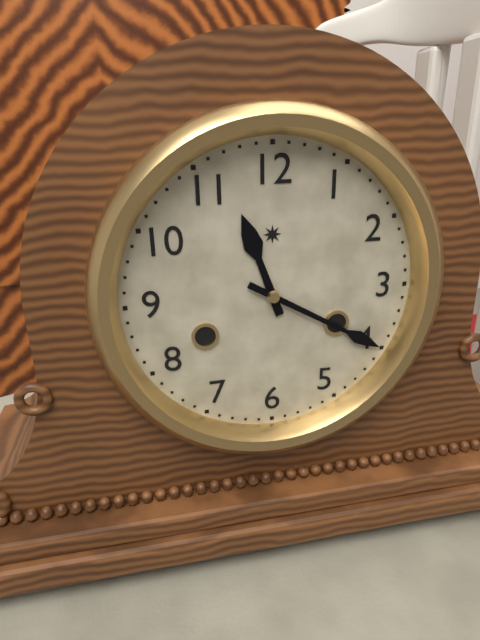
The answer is 11:20
